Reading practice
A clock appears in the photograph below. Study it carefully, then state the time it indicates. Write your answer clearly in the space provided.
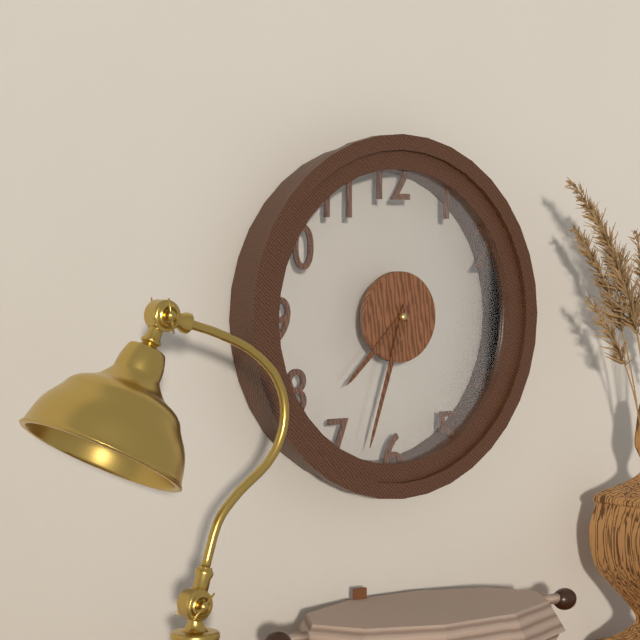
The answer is 7:33
